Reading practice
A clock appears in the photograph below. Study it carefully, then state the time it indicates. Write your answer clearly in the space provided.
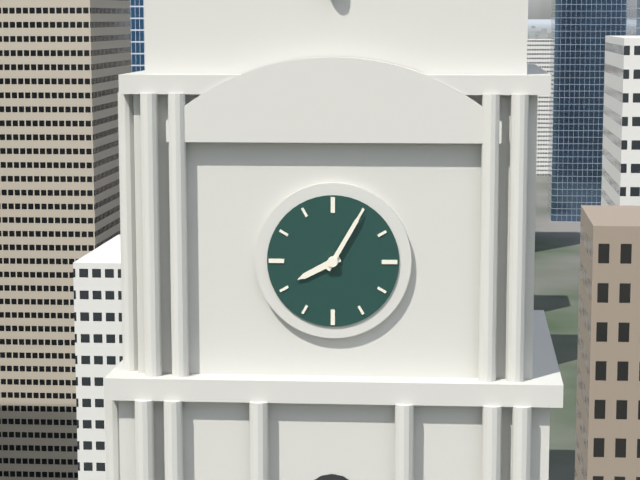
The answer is 8:05
